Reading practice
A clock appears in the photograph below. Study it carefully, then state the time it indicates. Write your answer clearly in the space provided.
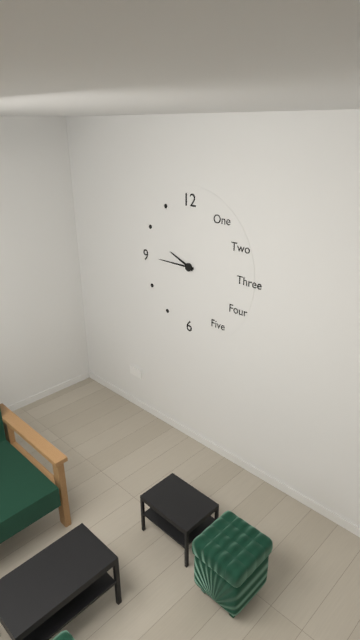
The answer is 9:45
